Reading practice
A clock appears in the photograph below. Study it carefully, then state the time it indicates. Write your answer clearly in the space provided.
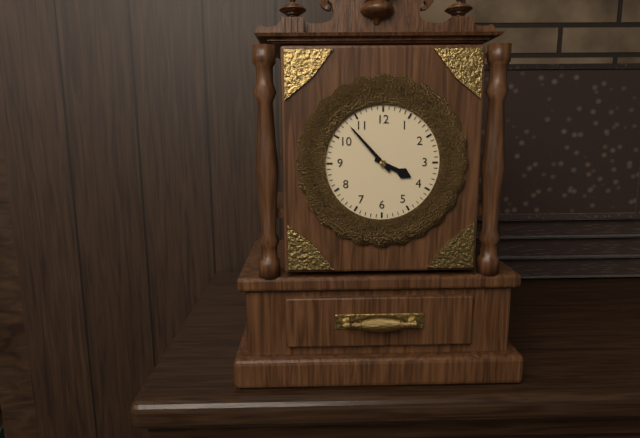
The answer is 3:53
